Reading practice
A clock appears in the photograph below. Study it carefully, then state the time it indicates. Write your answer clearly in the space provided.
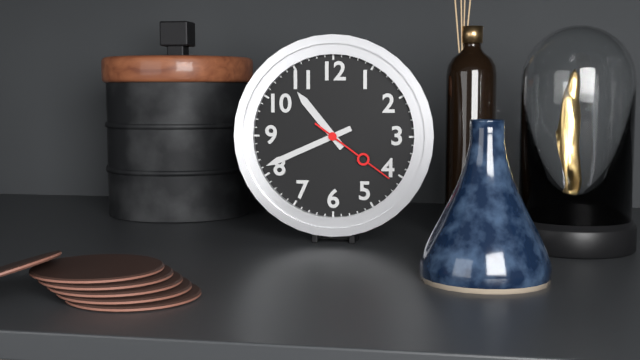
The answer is 10:41:21
